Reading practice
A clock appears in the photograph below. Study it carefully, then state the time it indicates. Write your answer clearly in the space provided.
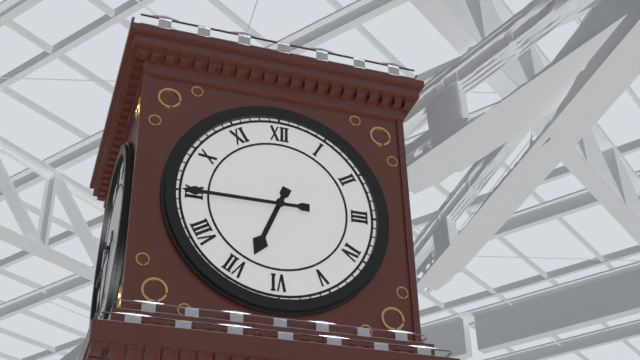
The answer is 6:45
